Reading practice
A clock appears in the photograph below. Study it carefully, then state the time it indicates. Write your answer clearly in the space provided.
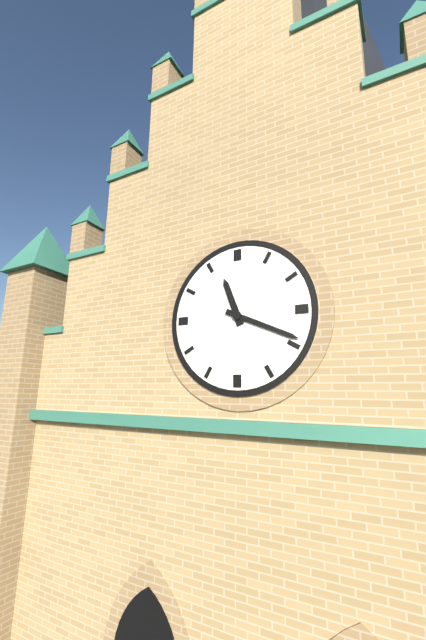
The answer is 11:19
